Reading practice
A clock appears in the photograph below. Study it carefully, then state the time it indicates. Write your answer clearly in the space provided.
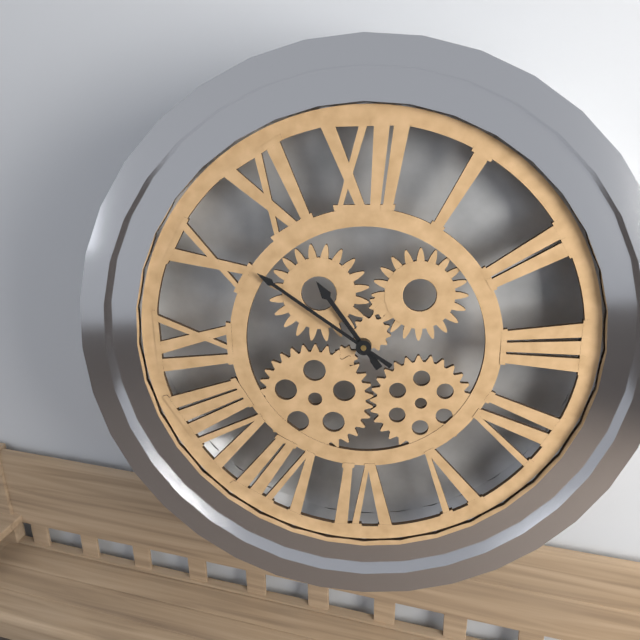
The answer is 10:51
